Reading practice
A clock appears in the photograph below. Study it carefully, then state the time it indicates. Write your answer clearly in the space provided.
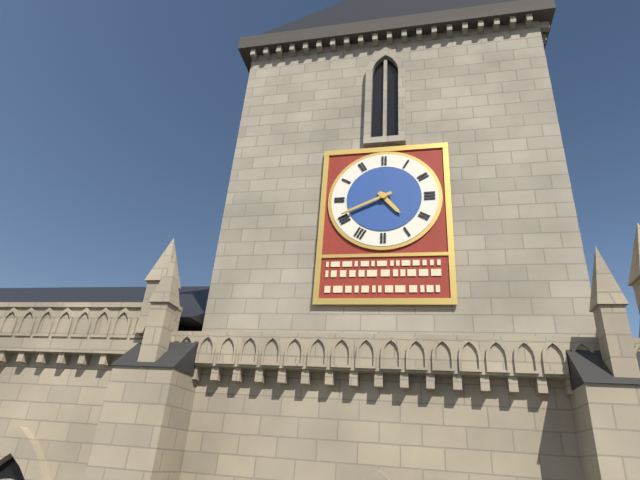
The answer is 4:41
